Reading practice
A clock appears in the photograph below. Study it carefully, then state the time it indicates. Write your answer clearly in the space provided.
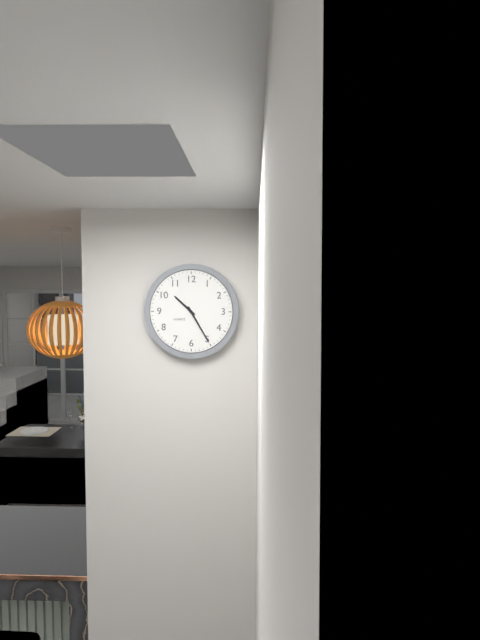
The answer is 10:25
